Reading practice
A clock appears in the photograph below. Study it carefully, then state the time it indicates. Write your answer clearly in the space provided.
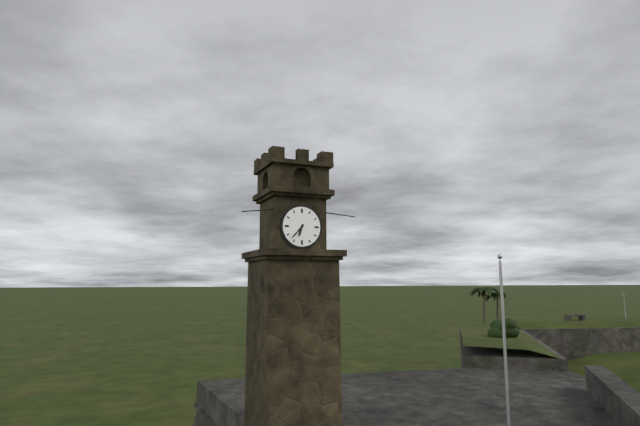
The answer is 6:37
